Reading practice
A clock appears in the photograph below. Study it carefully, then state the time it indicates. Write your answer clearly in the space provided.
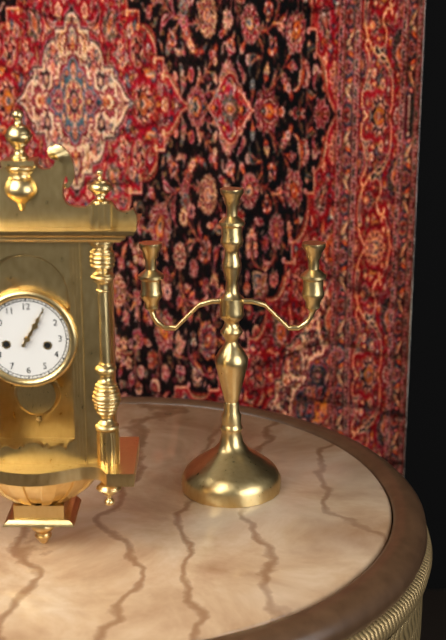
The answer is 1:05
